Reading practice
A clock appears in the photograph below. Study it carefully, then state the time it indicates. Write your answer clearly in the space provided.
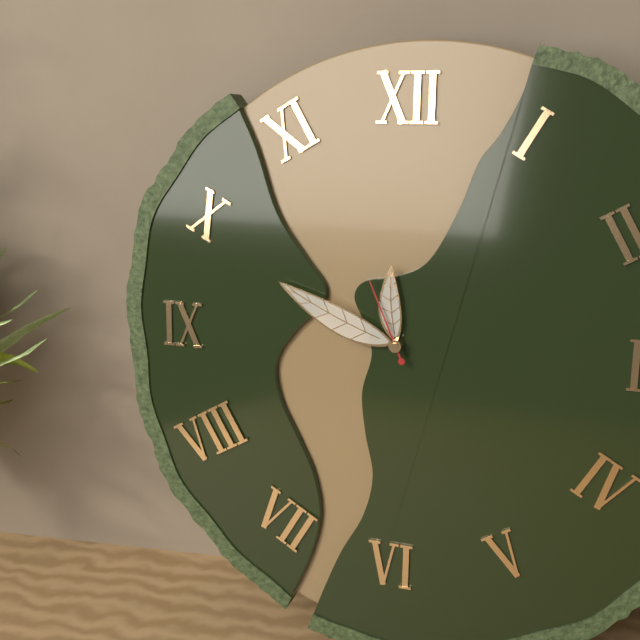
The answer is 11:49:56
